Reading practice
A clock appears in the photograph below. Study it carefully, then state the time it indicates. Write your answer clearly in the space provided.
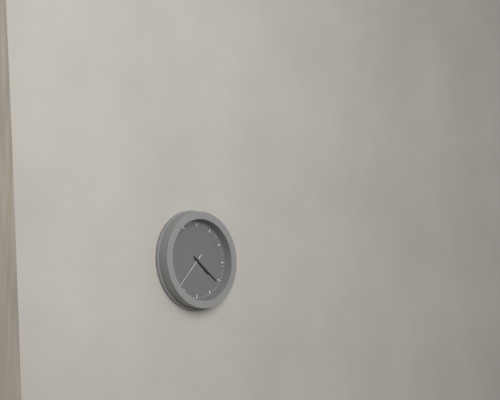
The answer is 4:21
